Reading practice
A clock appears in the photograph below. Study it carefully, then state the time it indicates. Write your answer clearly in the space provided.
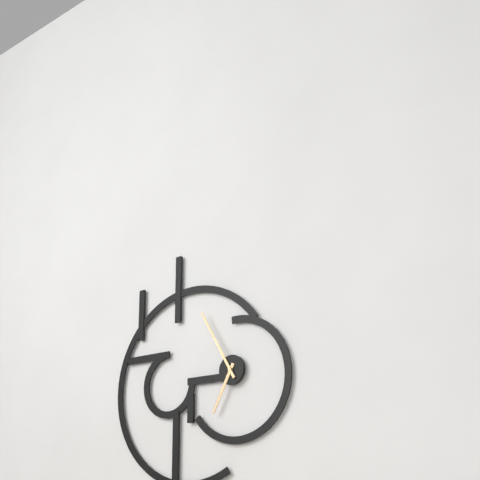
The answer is 6:55
